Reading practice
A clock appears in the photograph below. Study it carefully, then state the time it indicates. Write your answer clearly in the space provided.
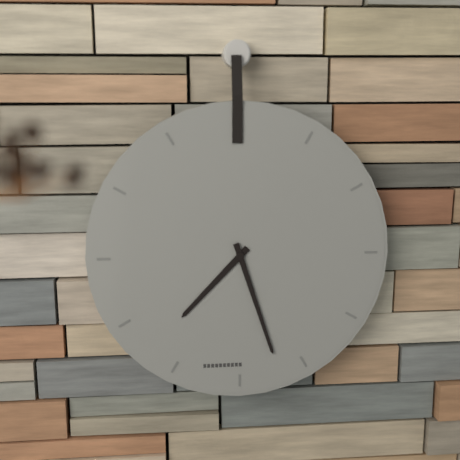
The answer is 7:27
